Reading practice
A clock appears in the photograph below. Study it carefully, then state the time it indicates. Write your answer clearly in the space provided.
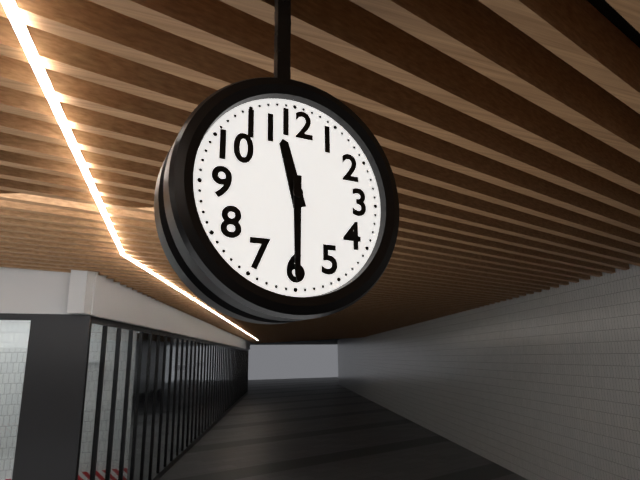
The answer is 11:30
